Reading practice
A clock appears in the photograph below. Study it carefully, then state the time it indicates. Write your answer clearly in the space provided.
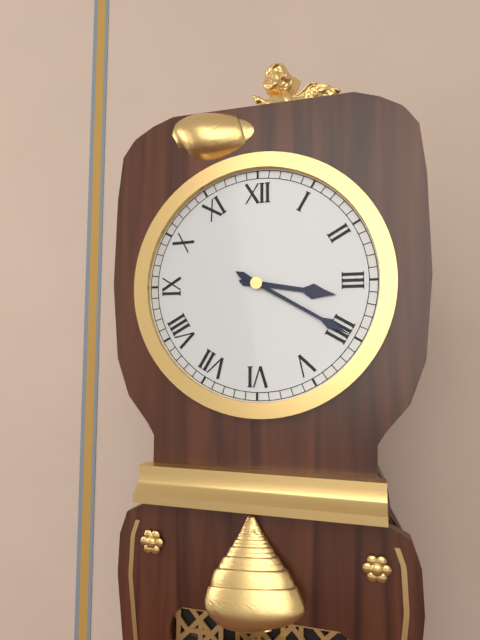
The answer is 3:20
